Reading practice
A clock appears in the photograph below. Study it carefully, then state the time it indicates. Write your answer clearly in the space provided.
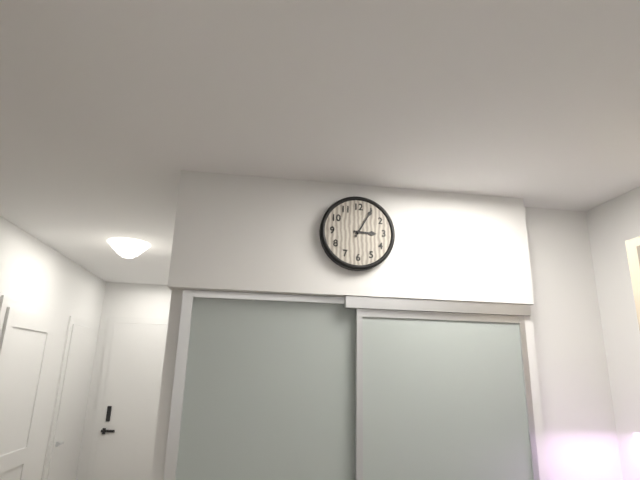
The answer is 3:05
